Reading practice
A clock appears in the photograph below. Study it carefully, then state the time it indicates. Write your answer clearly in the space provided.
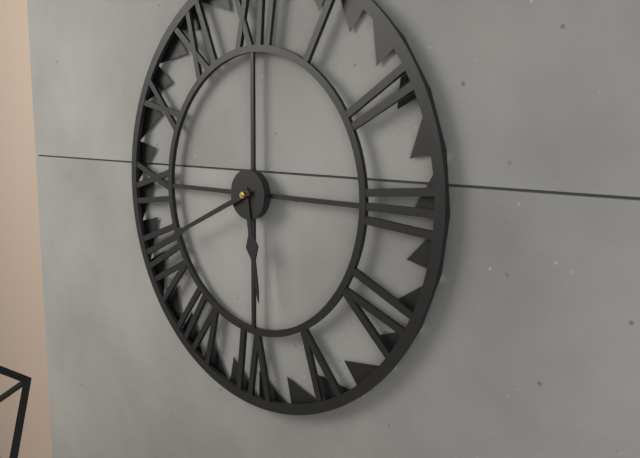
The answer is 5:41
